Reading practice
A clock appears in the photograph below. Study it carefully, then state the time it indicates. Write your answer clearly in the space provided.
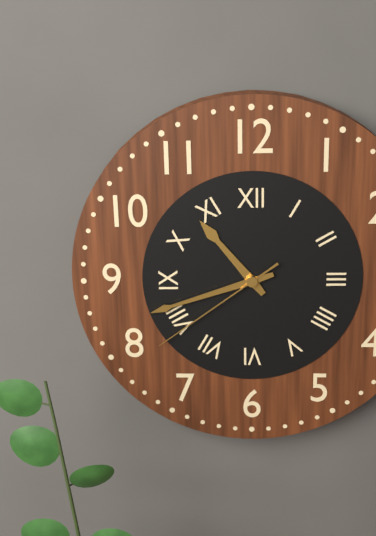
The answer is 10:42:39
